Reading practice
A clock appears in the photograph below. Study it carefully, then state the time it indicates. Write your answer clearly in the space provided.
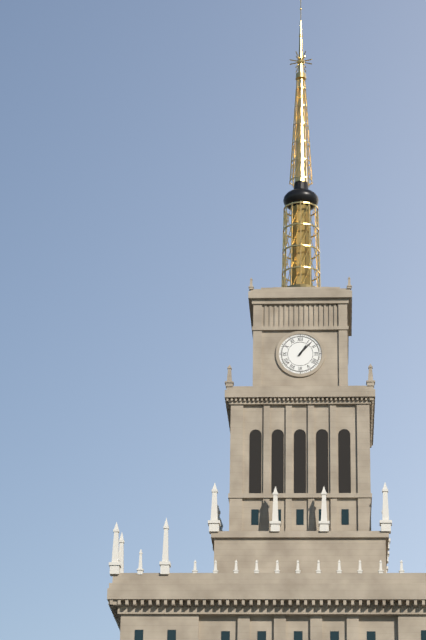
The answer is 1:07
